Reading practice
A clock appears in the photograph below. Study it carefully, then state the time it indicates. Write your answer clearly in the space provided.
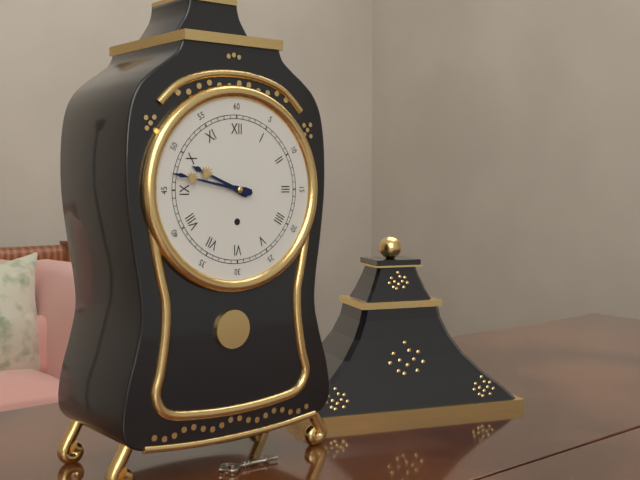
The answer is 9:47
